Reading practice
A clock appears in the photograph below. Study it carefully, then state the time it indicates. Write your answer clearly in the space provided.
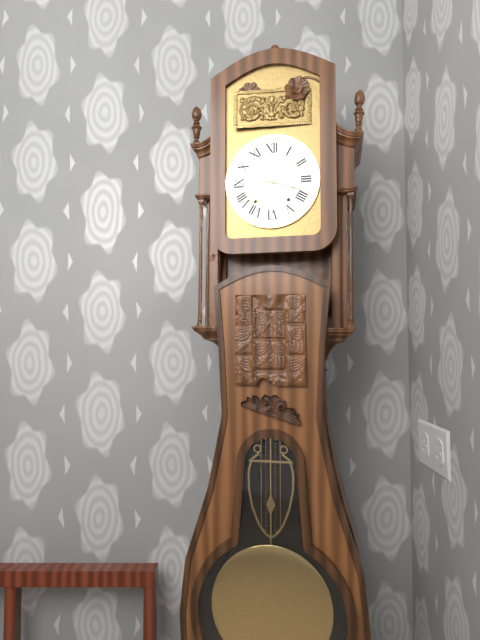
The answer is 9:18
